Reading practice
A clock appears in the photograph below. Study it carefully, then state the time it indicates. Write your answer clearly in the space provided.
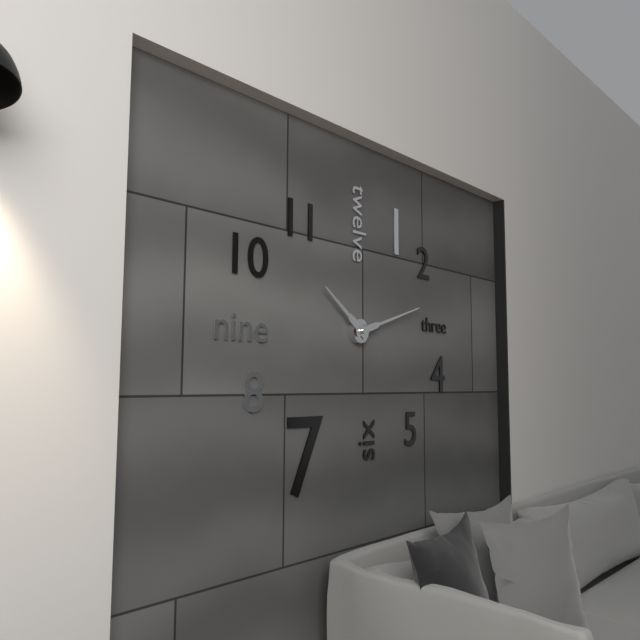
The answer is 10:12
